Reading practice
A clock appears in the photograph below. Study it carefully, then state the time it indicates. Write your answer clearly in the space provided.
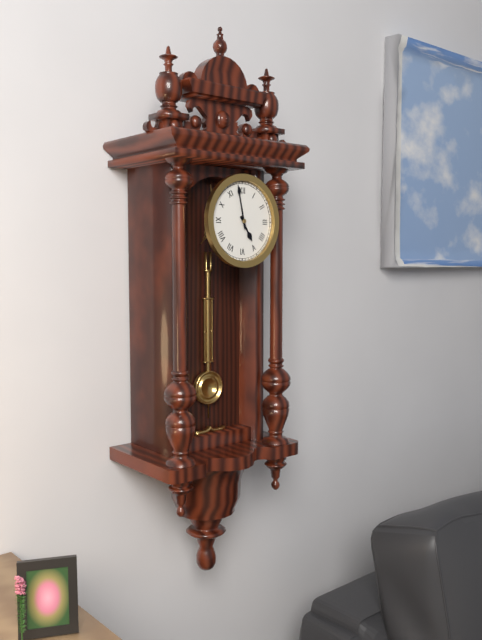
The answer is 4:58
